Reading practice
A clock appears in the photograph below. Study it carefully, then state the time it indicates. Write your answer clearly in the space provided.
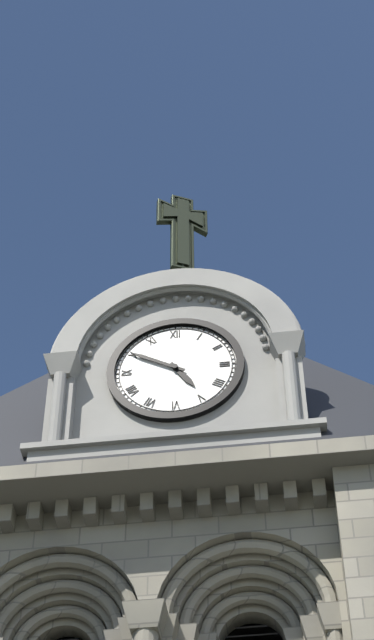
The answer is 4:50
